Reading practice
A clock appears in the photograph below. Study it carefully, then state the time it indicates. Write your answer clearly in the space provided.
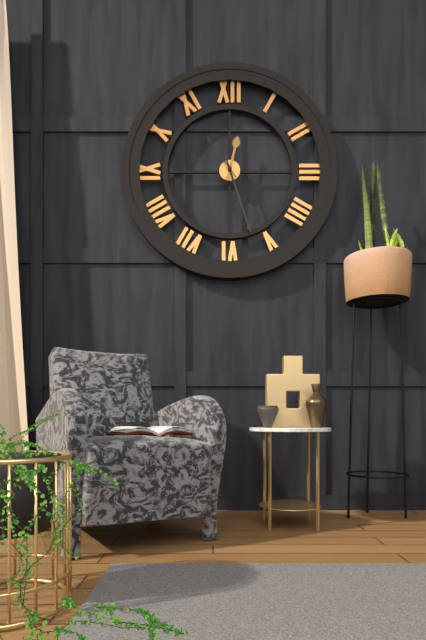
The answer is 12:27
